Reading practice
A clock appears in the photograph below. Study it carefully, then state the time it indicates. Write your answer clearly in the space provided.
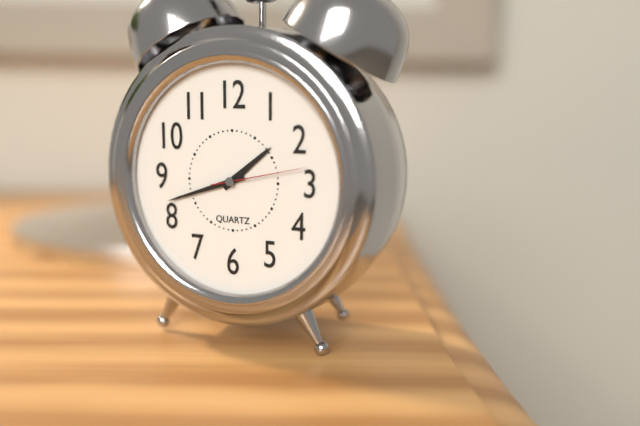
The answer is 1:42:13
